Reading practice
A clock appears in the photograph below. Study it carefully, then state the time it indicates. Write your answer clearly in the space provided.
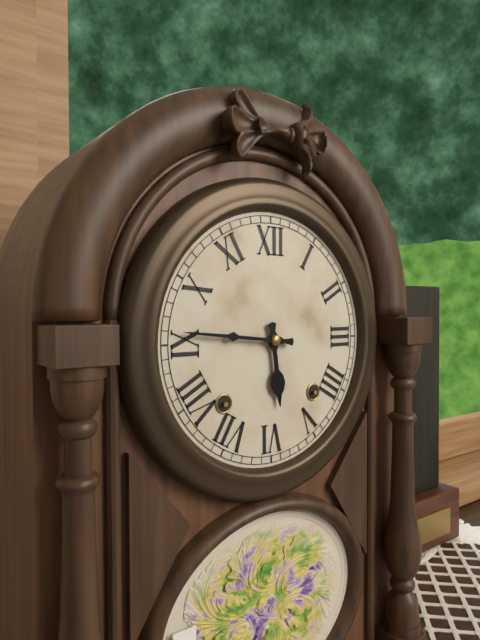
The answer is 5:46
